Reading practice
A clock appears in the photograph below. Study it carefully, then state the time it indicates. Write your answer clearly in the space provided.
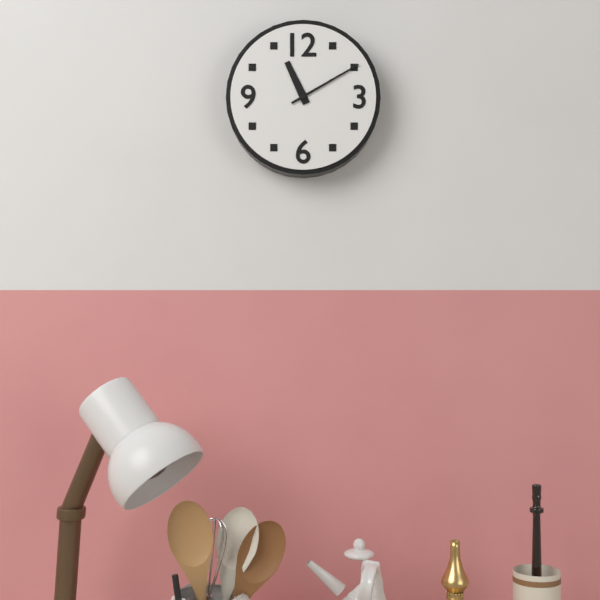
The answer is 11:10
